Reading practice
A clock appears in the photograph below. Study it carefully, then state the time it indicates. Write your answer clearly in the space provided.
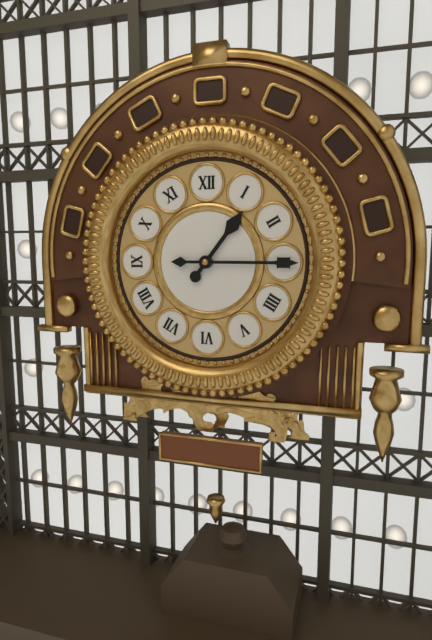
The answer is 1:15
